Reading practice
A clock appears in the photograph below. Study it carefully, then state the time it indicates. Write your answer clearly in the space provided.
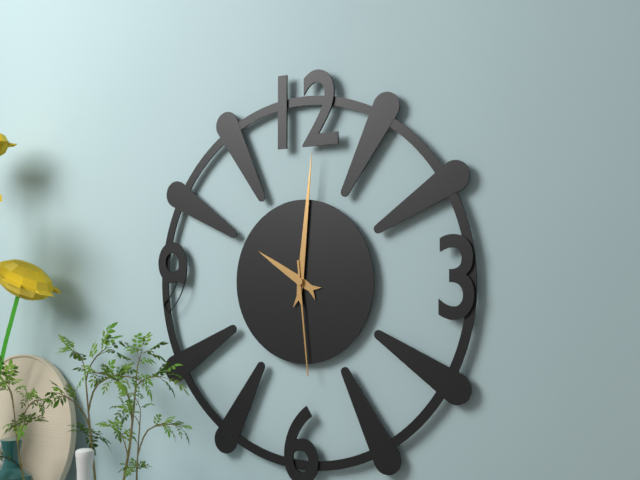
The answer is 10:01:29
